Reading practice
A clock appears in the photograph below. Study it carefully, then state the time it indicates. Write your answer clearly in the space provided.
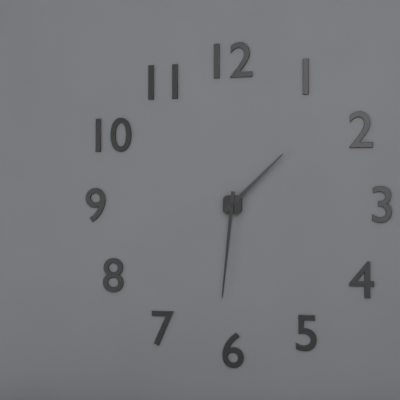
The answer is 1:31
